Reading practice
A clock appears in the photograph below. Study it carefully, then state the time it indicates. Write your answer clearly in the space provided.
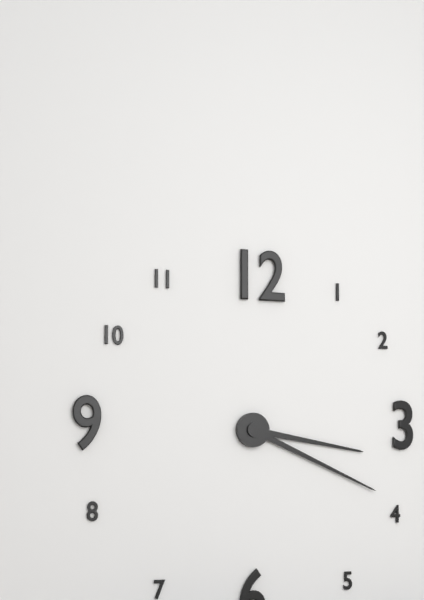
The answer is 3:19
